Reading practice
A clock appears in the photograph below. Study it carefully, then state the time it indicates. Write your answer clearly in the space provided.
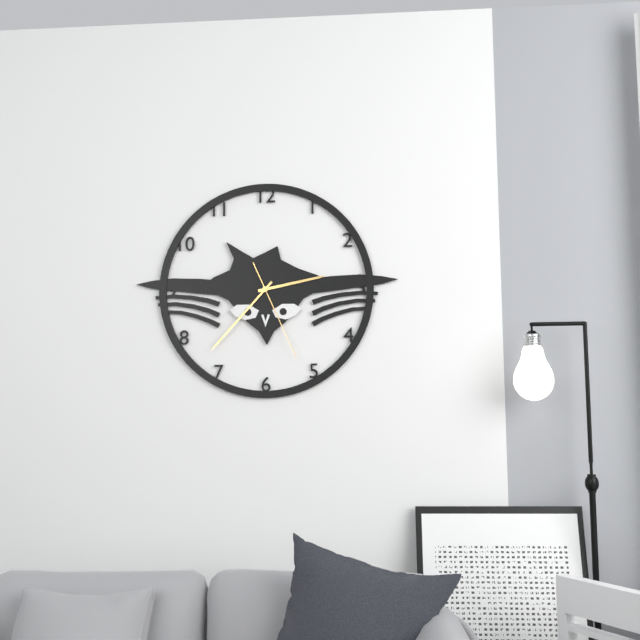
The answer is 2:37:26
